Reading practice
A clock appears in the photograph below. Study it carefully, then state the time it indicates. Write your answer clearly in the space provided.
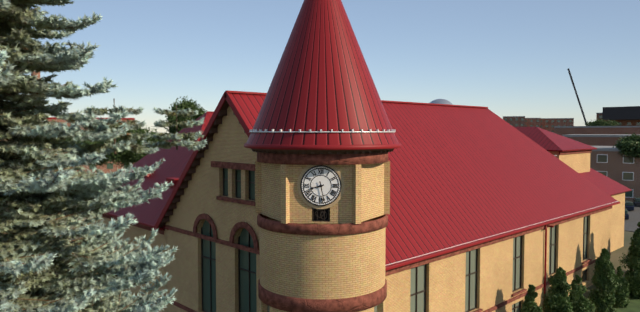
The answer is 8:28
